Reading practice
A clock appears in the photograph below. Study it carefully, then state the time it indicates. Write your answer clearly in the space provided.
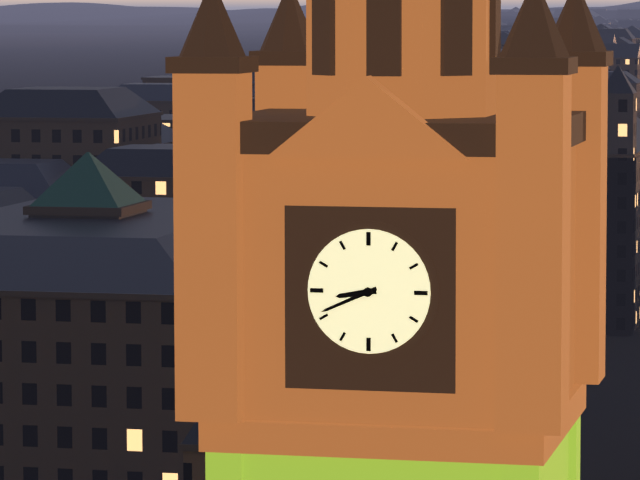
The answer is 8:41
